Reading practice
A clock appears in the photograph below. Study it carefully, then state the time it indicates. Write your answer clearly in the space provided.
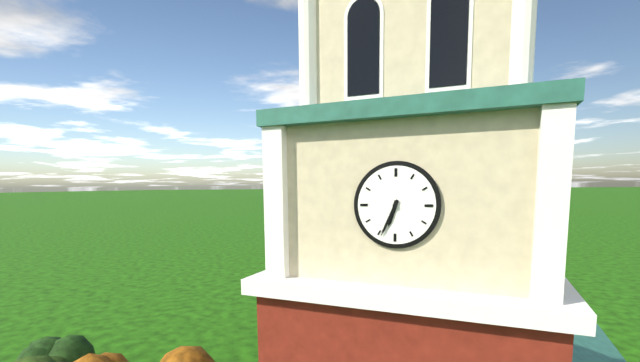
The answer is 6:34
